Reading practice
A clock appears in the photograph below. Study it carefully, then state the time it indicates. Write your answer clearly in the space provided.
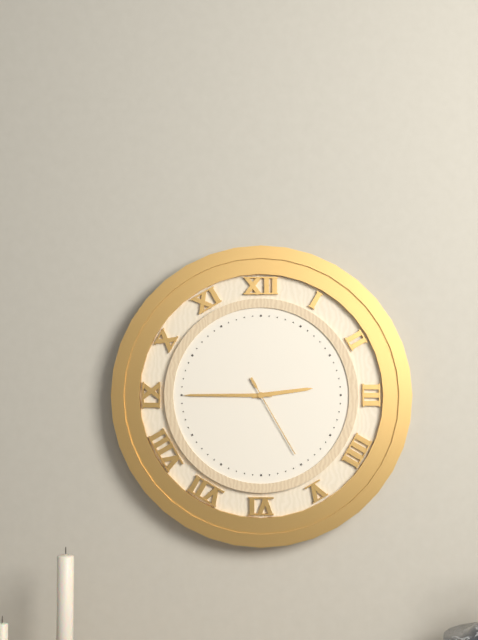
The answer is 2:45:25
